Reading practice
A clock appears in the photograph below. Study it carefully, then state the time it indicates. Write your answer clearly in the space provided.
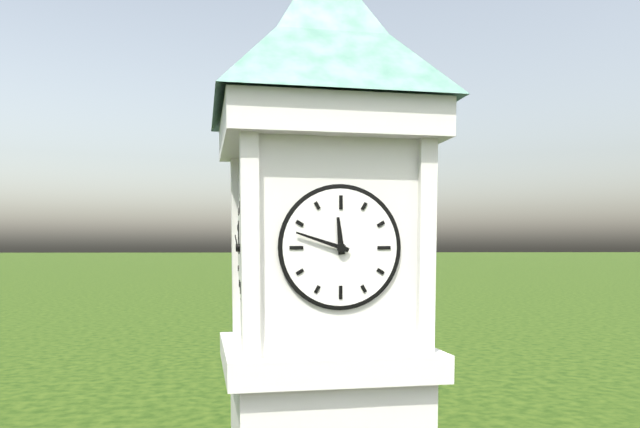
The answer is 11:48
